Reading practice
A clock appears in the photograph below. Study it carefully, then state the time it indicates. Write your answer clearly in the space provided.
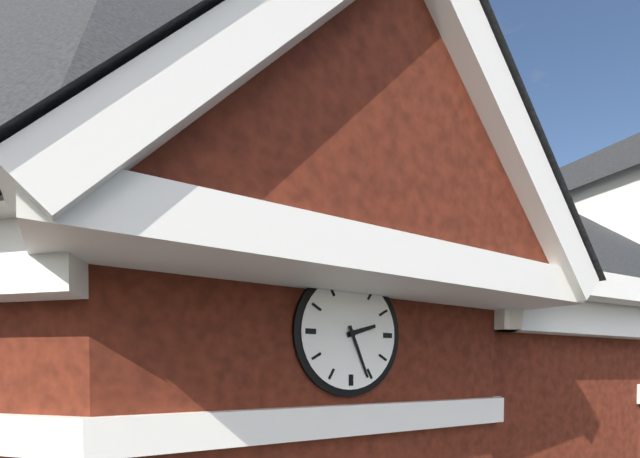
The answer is 2:26
